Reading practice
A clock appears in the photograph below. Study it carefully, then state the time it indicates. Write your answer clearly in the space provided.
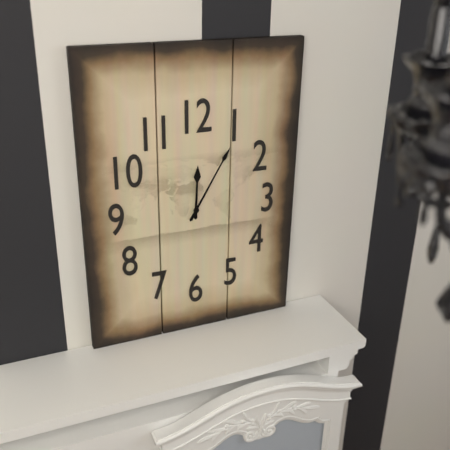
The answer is 12:05
